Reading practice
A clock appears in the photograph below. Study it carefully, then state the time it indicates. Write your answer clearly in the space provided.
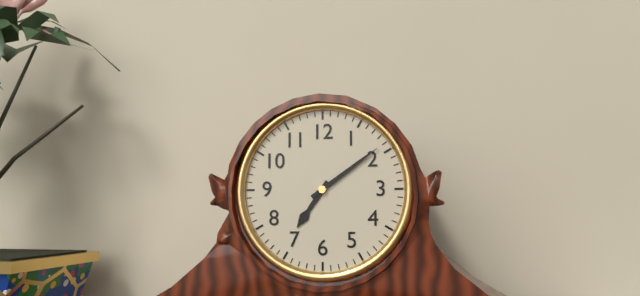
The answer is 7:09
